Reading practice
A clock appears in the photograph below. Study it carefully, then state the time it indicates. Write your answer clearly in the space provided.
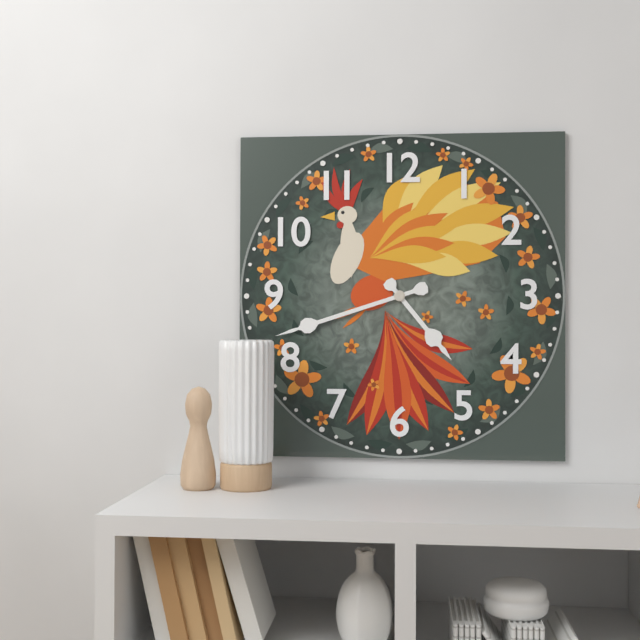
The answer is 4:42
